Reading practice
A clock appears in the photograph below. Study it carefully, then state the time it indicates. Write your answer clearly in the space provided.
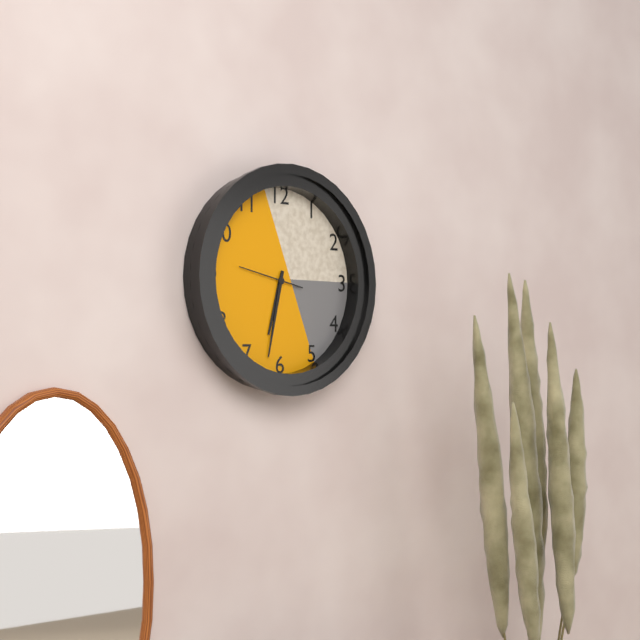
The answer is 6:32:47
